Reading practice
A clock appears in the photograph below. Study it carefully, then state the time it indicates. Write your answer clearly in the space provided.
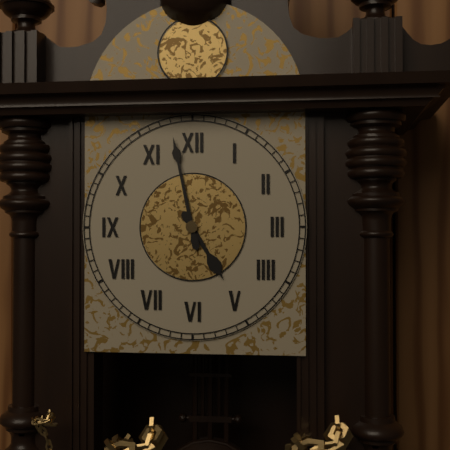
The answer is 4:58
